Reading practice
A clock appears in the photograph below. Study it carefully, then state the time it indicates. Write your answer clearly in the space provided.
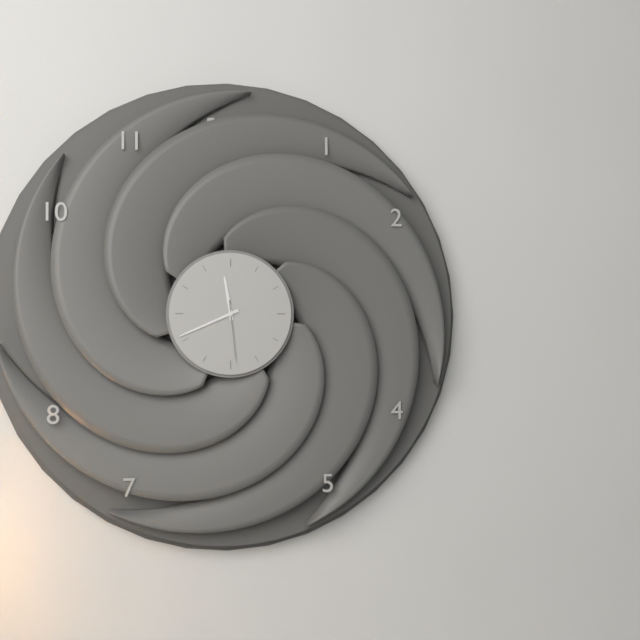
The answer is 11:41:29
